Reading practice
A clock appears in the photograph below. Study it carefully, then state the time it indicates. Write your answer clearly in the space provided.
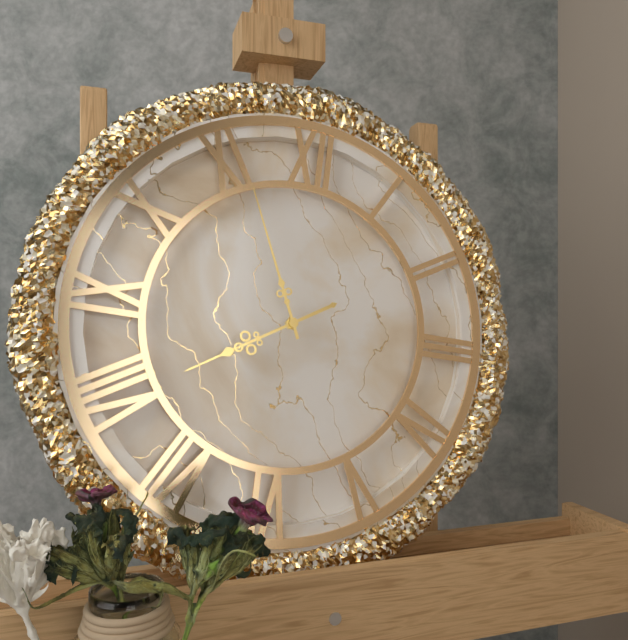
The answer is 7:56
